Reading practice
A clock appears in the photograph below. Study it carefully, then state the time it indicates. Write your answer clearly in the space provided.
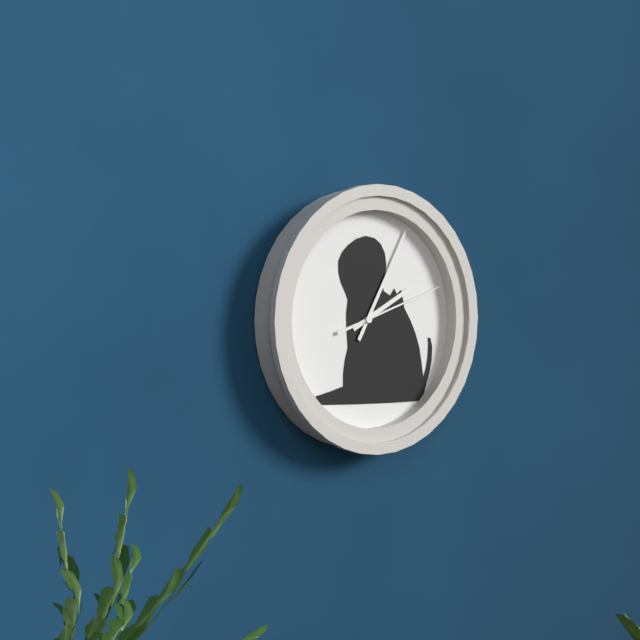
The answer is 2:05:12
